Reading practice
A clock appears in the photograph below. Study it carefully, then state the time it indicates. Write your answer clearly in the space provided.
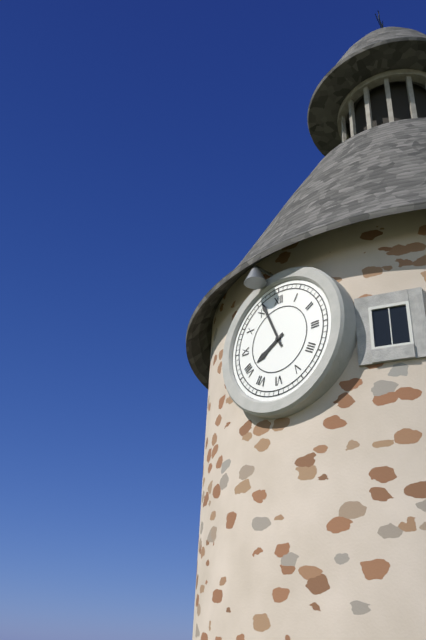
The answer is 7:56
